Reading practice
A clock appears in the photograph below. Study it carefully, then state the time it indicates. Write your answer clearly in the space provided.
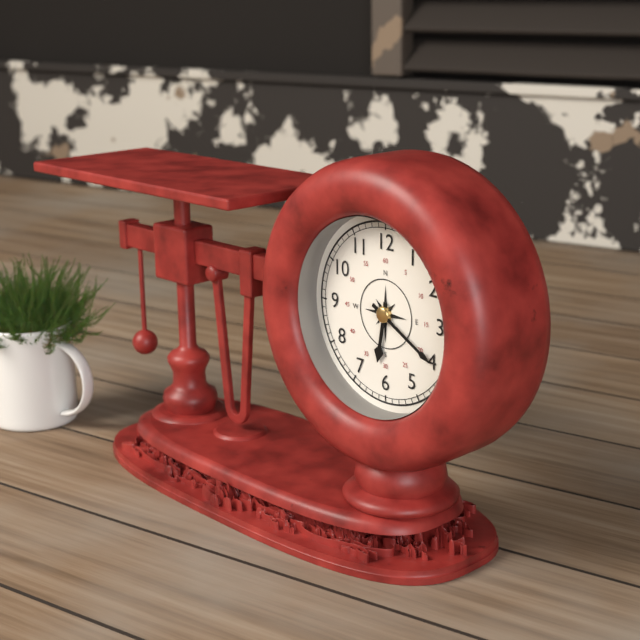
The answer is 6:20
